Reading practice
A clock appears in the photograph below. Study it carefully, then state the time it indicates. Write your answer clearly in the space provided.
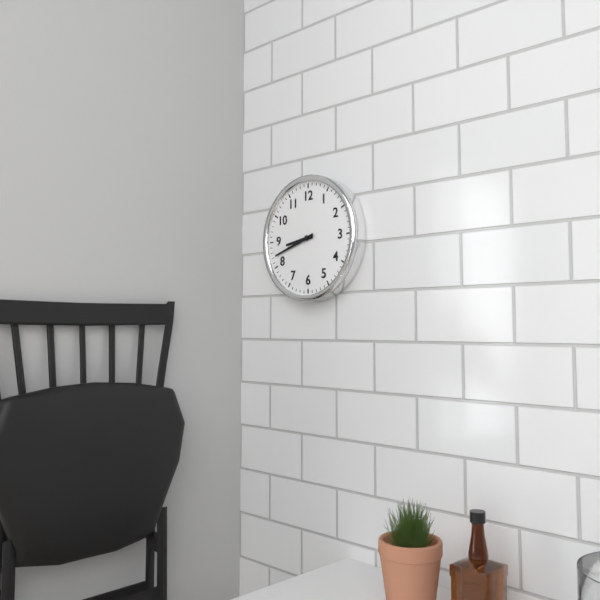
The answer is 8:42
